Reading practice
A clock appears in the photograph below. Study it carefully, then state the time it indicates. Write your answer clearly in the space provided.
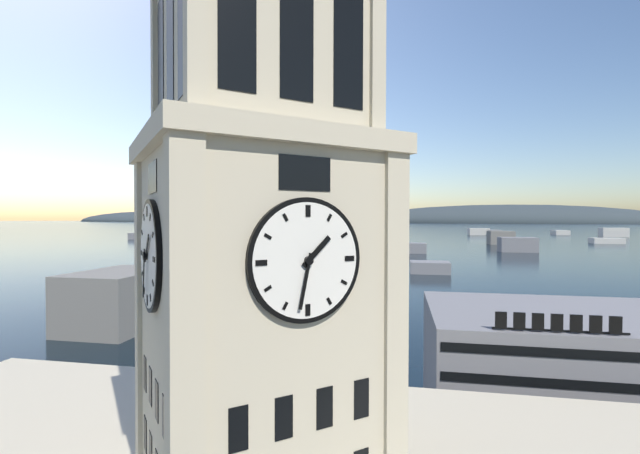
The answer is 1:32
